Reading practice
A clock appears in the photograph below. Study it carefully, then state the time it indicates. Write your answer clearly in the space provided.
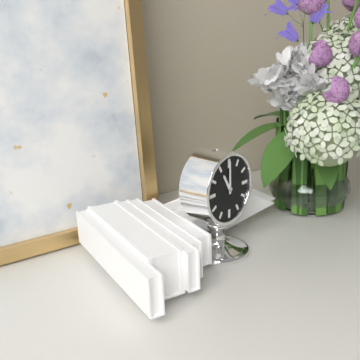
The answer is 11:00
